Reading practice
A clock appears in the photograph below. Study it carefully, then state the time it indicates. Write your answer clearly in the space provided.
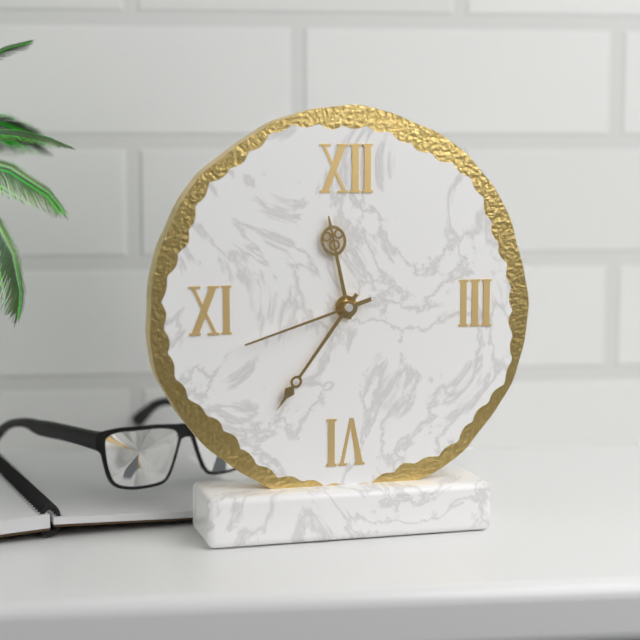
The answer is 11:36:42
